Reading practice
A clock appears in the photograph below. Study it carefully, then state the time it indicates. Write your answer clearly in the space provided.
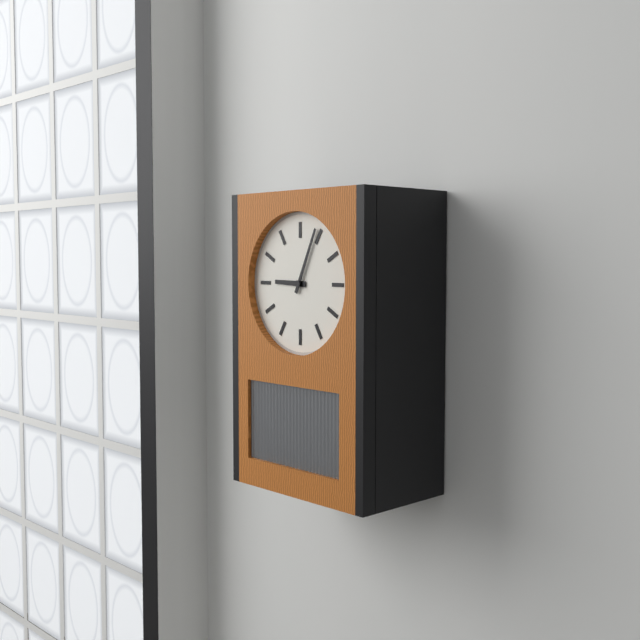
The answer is 9:04
